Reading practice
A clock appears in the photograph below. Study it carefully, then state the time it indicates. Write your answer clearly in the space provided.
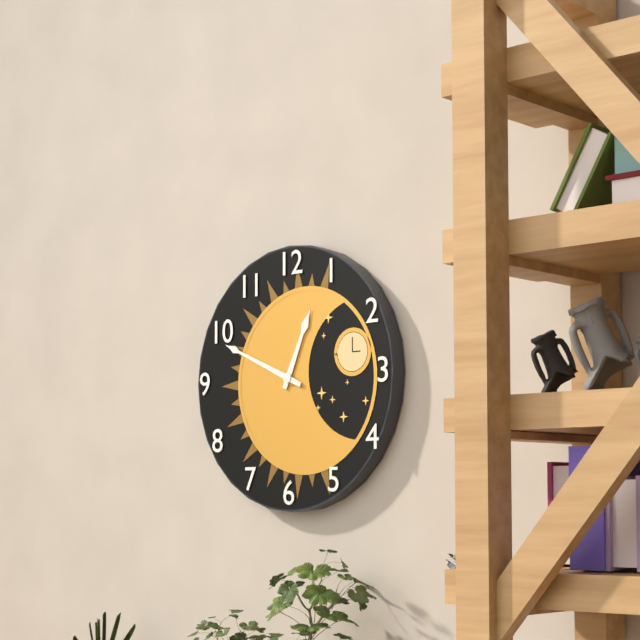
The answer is 12:49
